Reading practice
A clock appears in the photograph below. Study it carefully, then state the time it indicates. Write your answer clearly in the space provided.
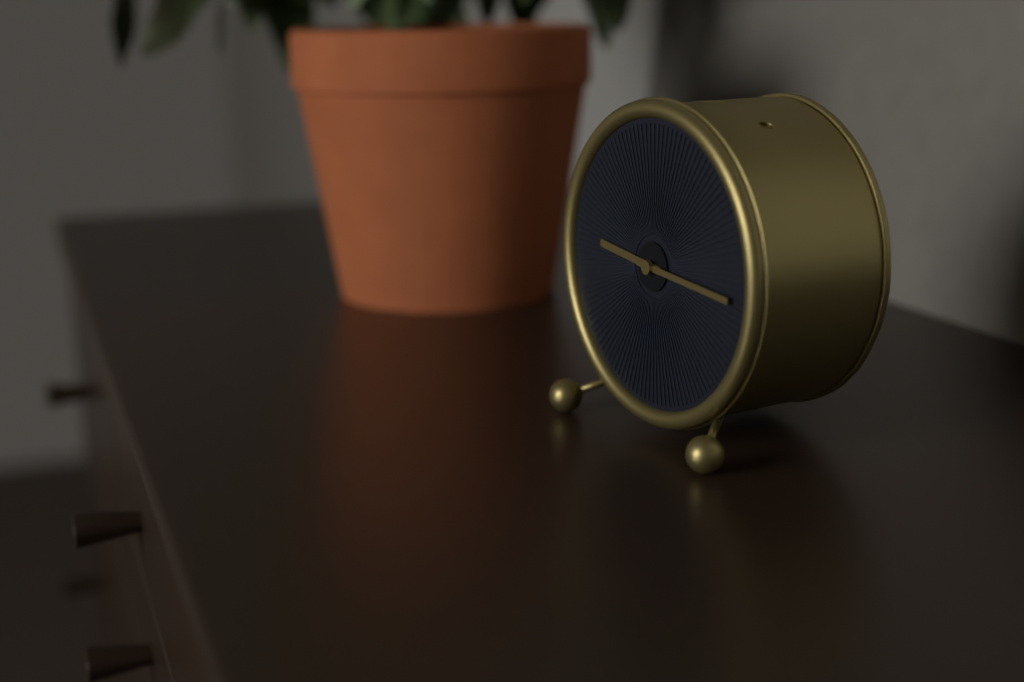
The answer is 9:16
